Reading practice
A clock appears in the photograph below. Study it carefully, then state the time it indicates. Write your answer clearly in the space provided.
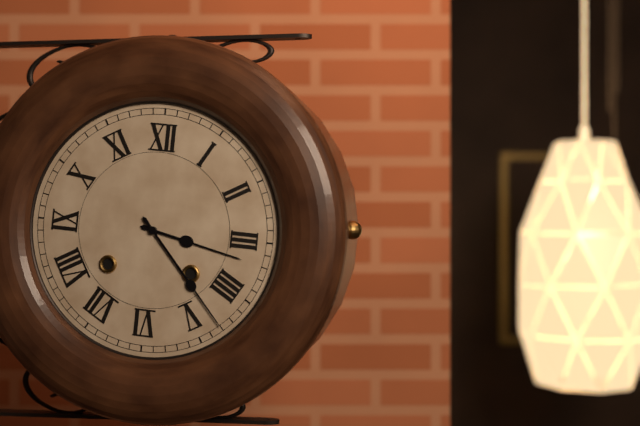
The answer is 3:23
